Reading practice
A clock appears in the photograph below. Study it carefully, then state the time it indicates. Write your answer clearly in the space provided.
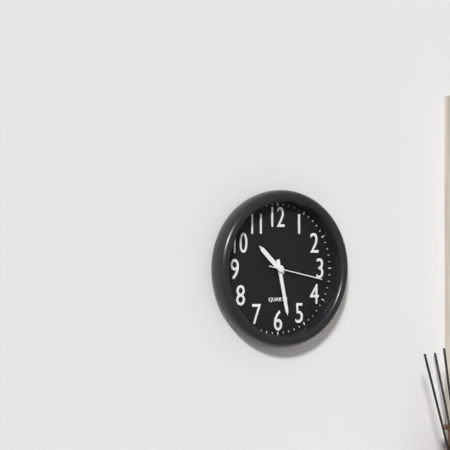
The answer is 10:28:17
